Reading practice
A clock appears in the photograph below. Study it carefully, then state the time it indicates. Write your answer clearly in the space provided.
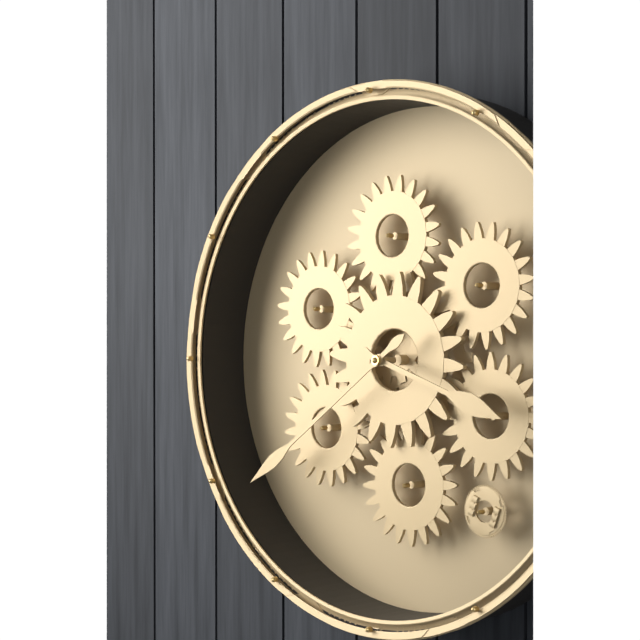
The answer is 3:39
